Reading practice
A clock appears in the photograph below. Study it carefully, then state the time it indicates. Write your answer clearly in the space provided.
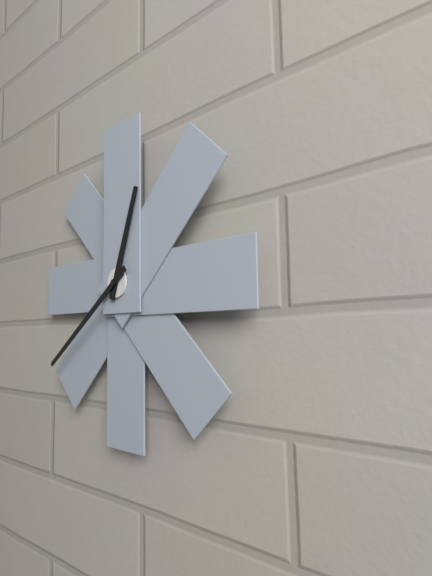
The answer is 12:39
